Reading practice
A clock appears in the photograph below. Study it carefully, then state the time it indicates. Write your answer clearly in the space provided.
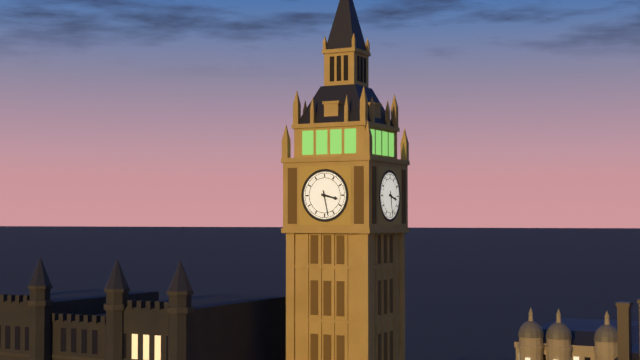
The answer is 3:28
